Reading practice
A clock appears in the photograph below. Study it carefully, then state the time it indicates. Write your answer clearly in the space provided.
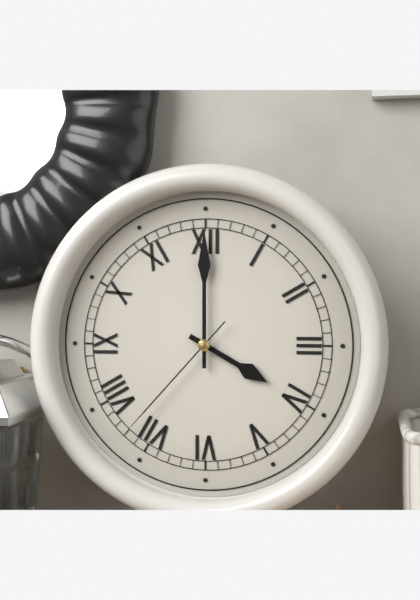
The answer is 4:00:37
